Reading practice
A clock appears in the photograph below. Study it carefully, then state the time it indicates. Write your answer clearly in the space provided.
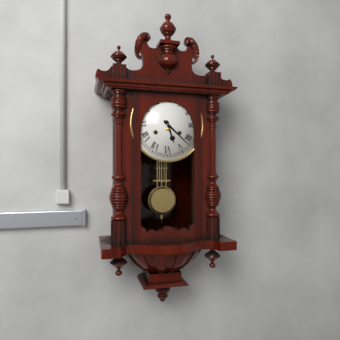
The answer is 5:22
